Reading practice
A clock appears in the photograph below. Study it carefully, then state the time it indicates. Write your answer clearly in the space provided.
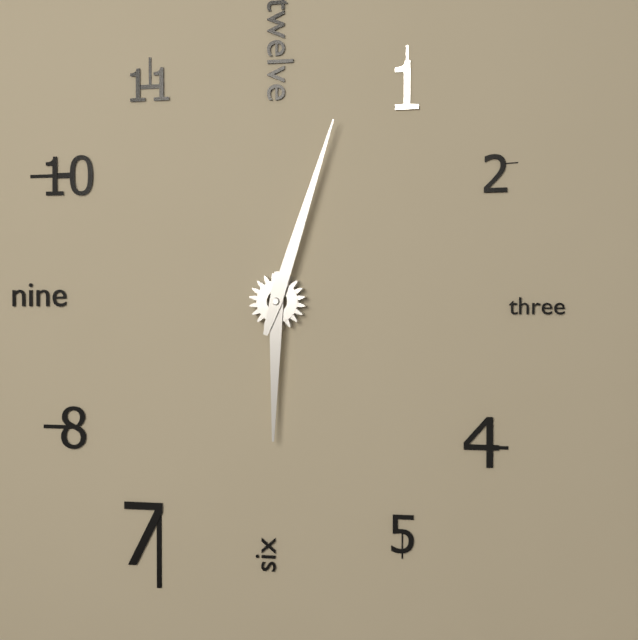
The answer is 6:03
